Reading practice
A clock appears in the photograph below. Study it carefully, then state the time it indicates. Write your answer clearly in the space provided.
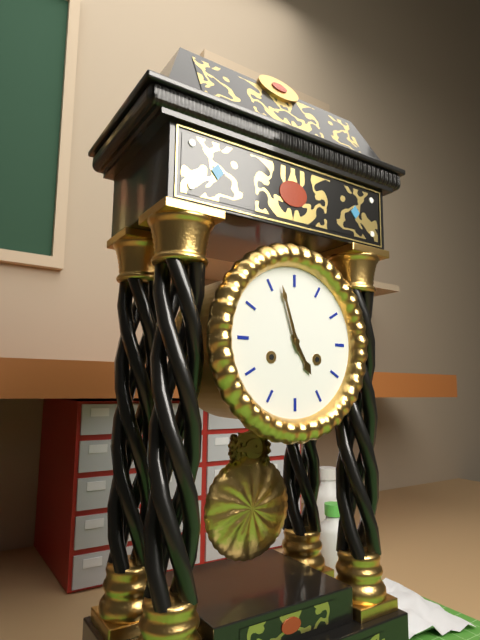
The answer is 4:57
